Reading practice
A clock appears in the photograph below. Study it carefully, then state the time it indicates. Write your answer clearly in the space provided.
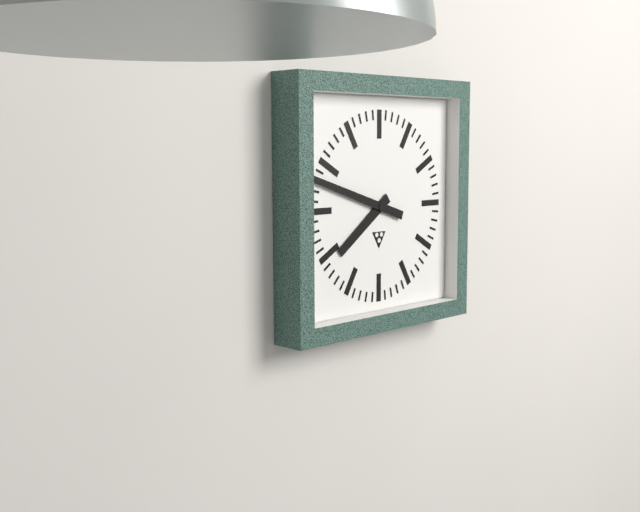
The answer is 7:48
